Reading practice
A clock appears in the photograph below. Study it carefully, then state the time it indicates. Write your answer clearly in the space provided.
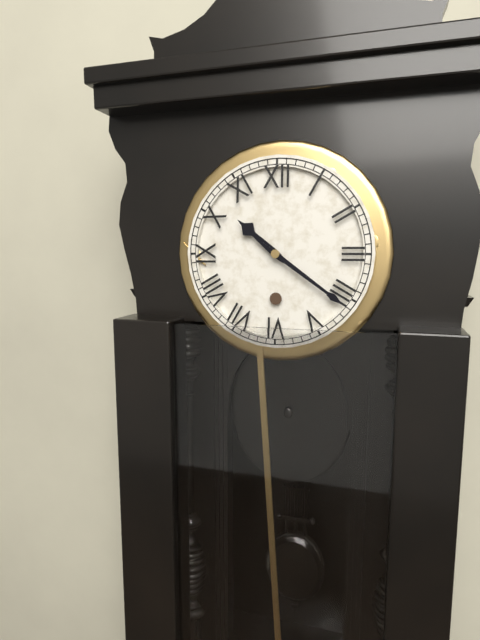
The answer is 10:21
